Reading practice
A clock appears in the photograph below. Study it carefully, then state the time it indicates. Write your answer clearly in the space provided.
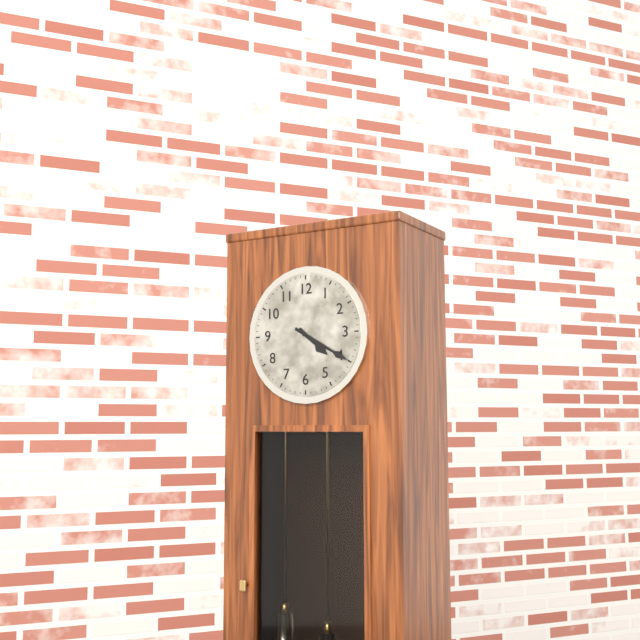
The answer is 4:20
